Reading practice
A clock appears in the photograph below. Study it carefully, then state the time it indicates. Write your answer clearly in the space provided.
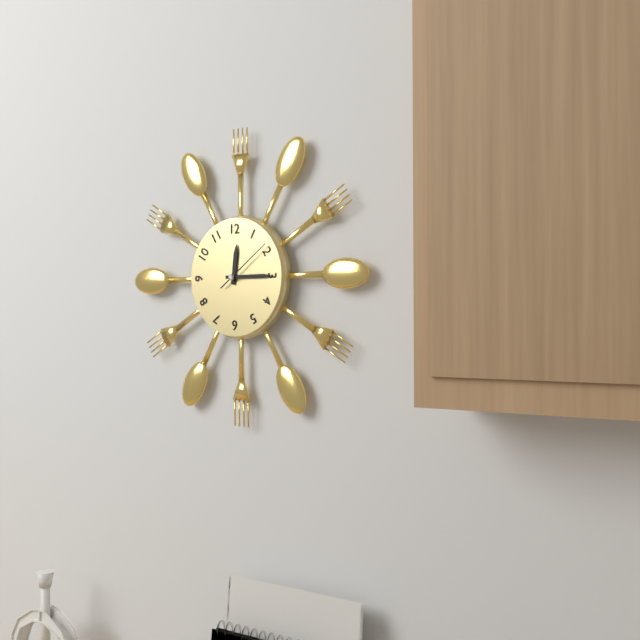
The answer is 12:15:09
